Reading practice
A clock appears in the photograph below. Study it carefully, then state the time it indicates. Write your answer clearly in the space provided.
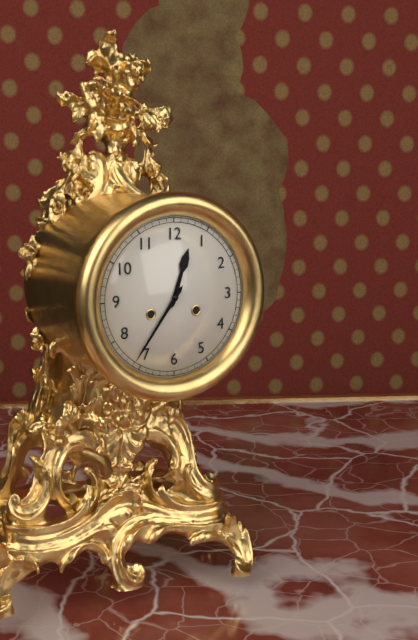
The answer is 12:36
